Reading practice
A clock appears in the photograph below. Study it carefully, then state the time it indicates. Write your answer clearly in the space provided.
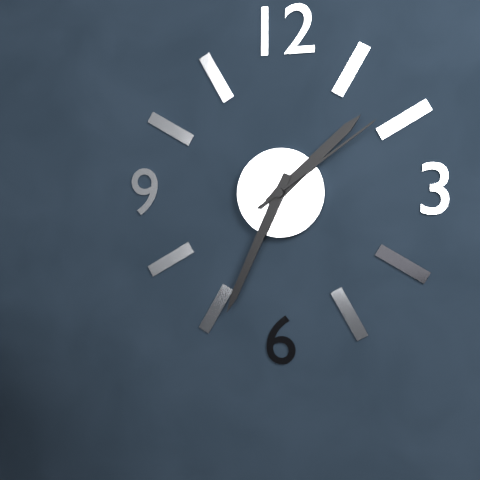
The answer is 1:34:09
